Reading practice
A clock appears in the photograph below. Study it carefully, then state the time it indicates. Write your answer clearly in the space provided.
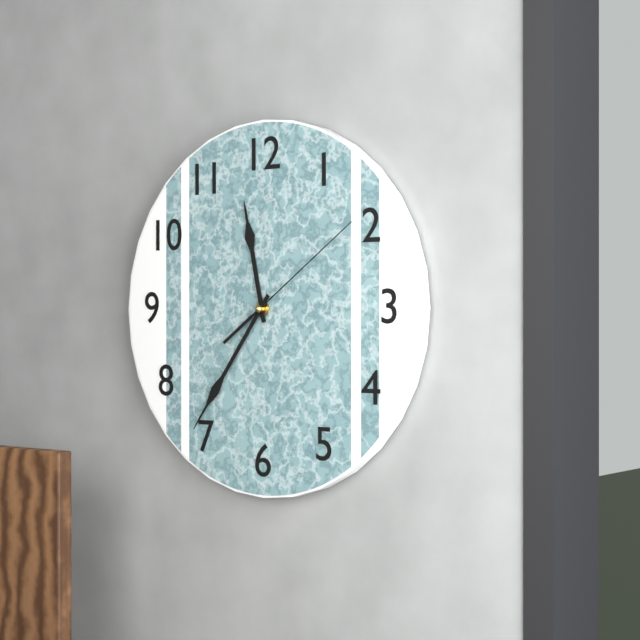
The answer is 11:36:09
